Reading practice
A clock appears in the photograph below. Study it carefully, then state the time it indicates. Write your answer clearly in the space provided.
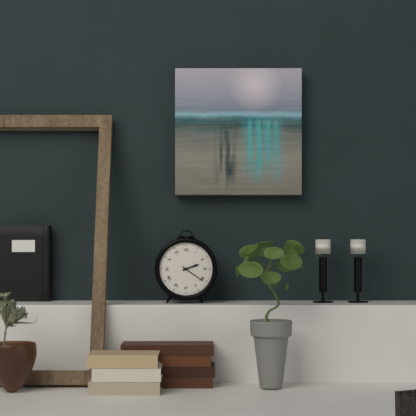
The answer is 2:21
